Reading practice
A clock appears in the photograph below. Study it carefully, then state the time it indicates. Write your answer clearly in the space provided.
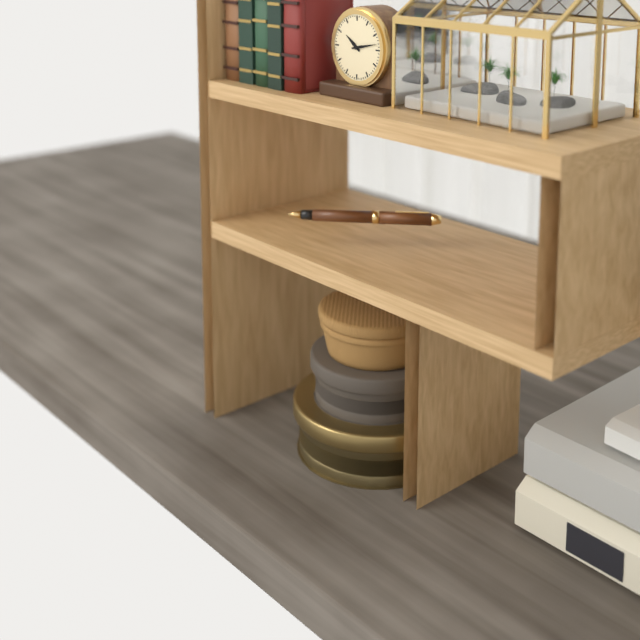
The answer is 10:13
